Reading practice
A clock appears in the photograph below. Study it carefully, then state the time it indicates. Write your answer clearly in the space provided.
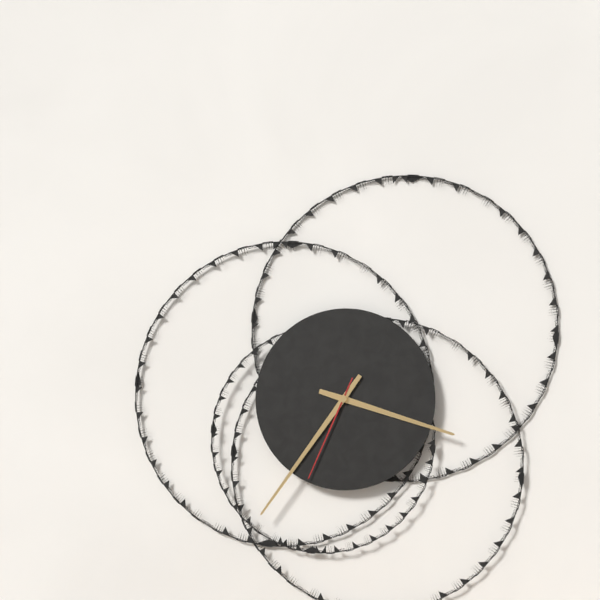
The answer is 3:36:34
